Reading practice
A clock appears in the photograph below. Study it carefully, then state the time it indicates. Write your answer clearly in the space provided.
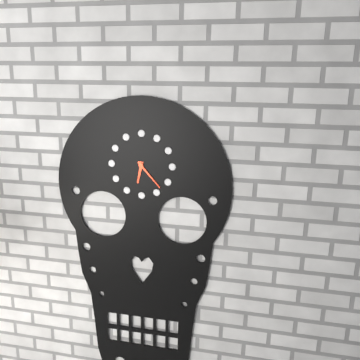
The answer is 6:23
